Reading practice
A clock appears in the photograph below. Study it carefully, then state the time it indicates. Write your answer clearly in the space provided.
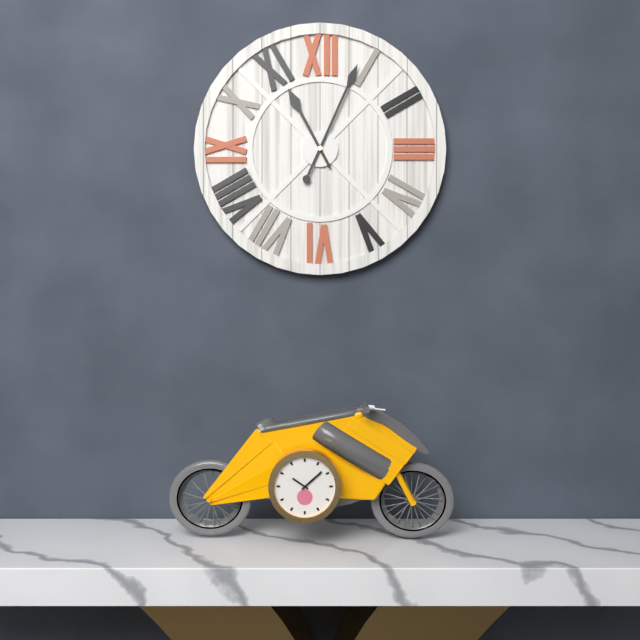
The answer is 11:04
